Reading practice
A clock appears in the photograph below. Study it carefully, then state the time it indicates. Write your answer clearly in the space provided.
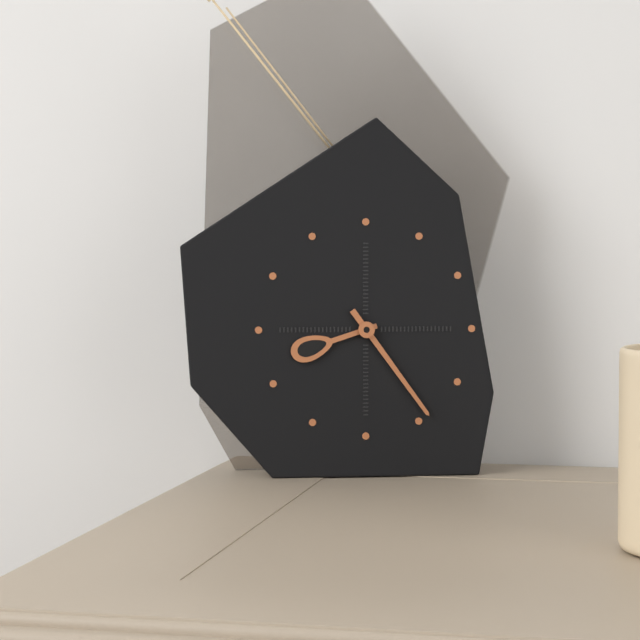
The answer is 8:24
